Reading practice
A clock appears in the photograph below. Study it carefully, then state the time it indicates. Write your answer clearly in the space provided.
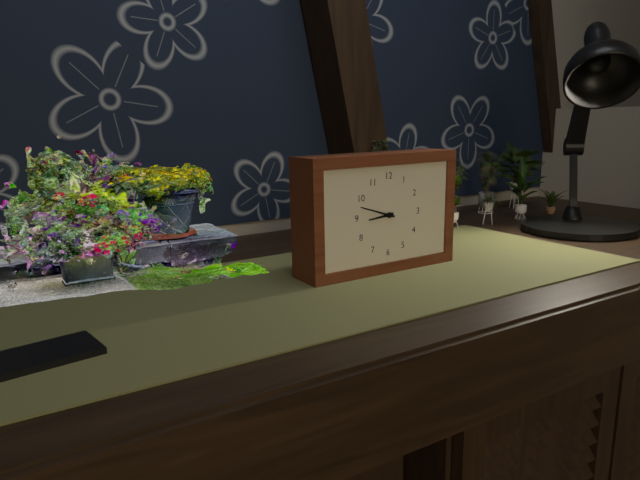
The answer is 8:48
